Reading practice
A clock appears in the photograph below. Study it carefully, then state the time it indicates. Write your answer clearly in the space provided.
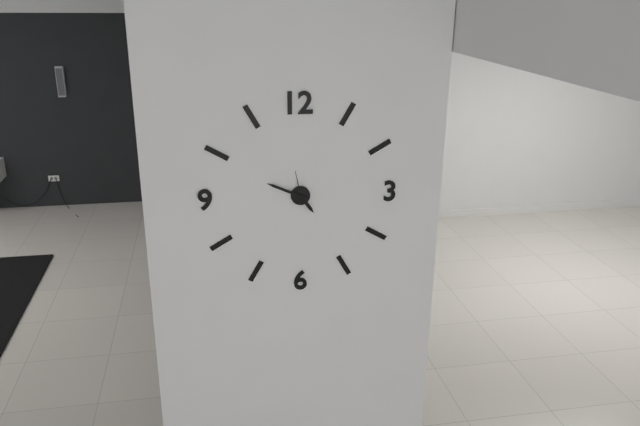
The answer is 4:49
